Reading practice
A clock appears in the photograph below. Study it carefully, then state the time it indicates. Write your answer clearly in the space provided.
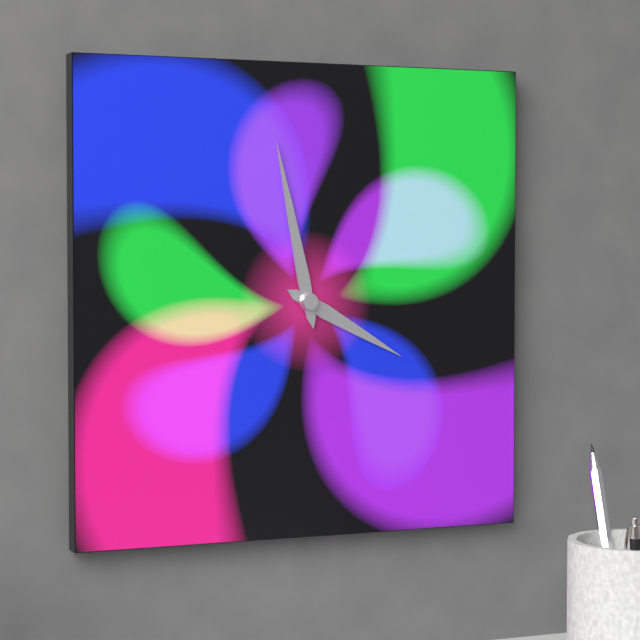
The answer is 3:58
